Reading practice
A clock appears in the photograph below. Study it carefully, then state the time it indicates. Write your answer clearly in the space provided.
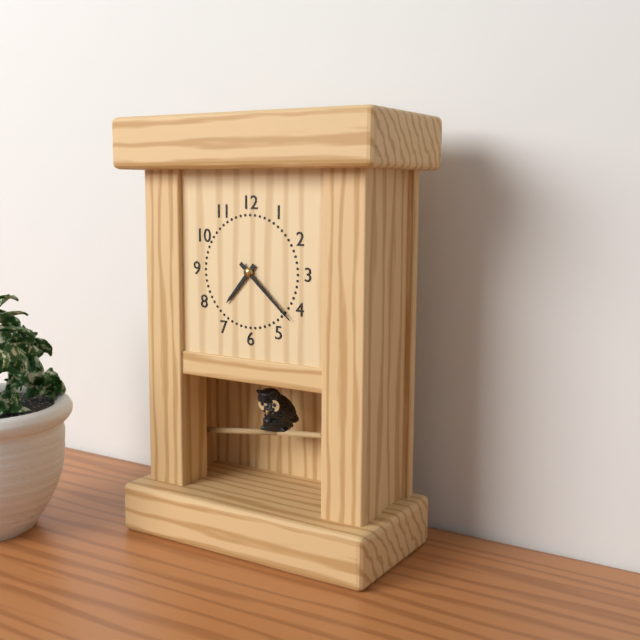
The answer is 7:22
